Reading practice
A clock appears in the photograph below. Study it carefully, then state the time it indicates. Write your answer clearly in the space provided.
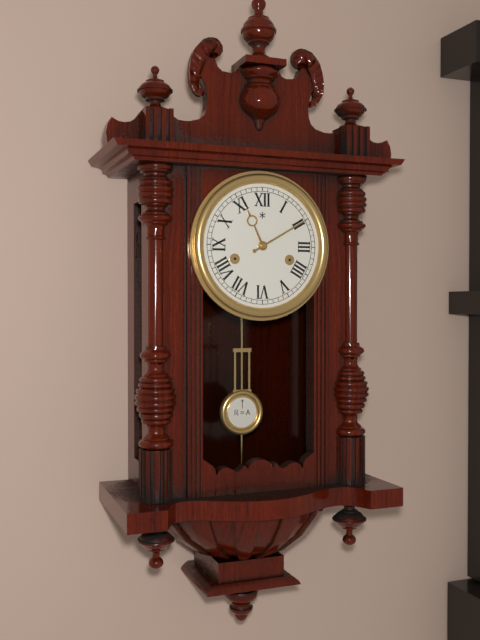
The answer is 11:10
